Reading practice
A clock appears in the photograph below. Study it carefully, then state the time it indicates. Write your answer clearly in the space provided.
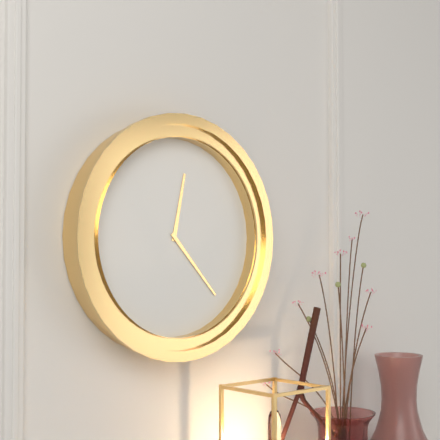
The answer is 12:23
